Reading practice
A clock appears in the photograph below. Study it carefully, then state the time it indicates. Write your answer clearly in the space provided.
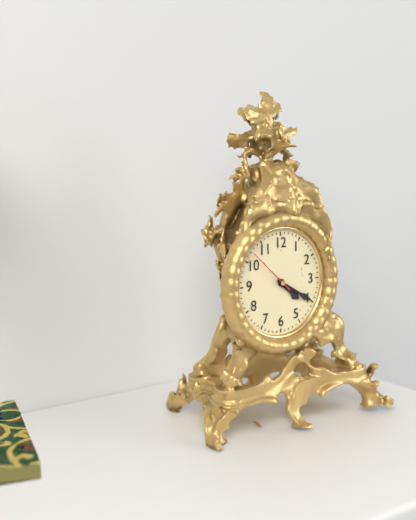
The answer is 4:20:52
